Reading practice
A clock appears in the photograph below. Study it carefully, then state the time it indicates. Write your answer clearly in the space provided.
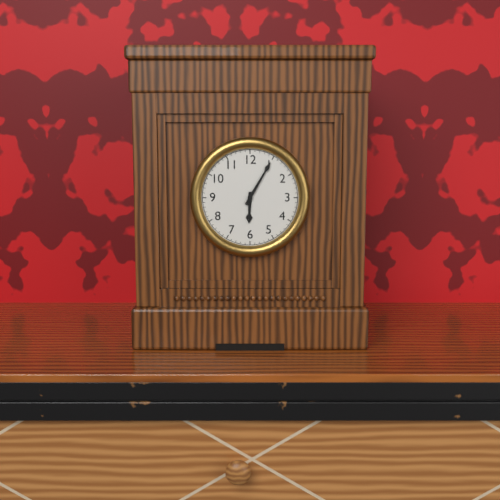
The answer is 6:05
